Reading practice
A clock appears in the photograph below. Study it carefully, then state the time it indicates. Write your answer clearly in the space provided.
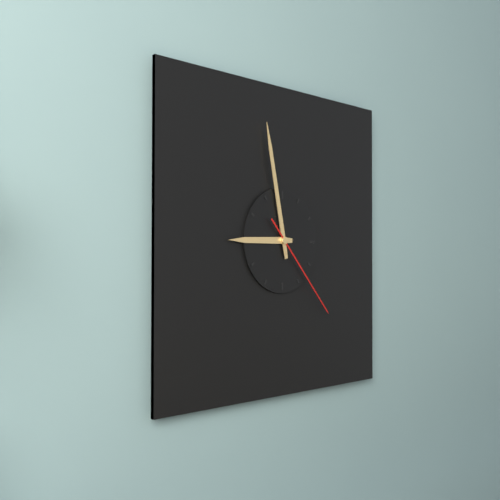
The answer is 8:58:23
